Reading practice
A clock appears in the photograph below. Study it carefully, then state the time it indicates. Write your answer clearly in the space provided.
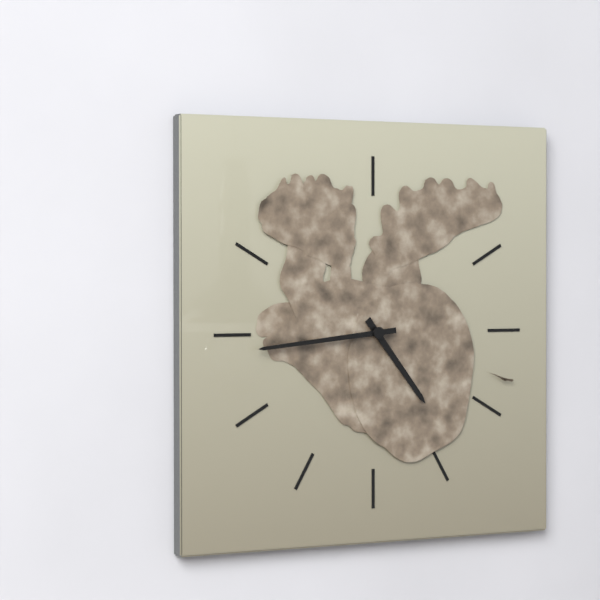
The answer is 4:44
